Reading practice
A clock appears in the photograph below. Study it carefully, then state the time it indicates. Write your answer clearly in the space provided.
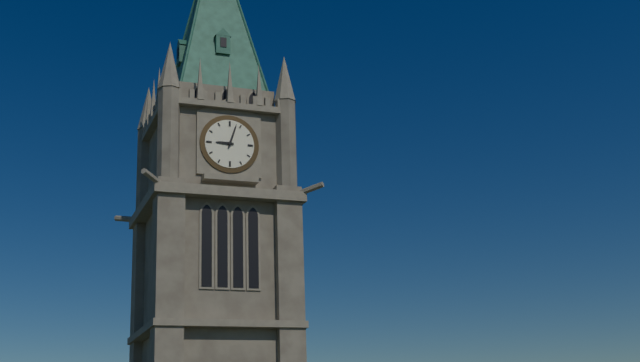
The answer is 9:03
